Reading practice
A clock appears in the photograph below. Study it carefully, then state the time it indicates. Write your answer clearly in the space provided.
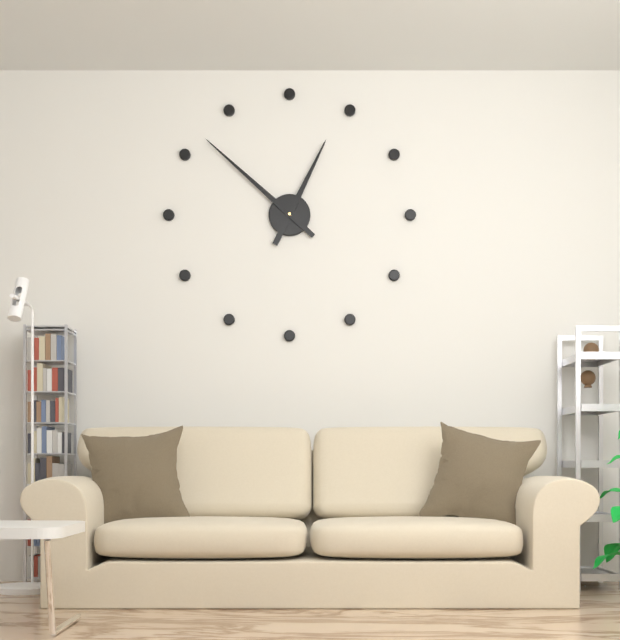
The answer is 12:52
